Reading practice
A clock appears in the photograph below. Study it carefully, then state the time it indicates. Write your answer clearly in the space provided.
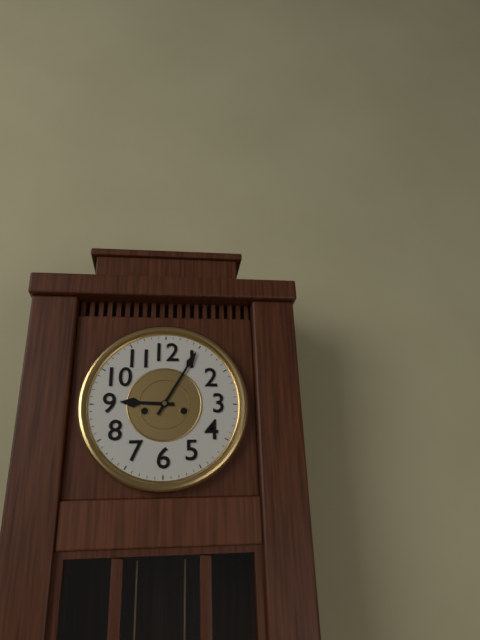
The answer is 9:05
